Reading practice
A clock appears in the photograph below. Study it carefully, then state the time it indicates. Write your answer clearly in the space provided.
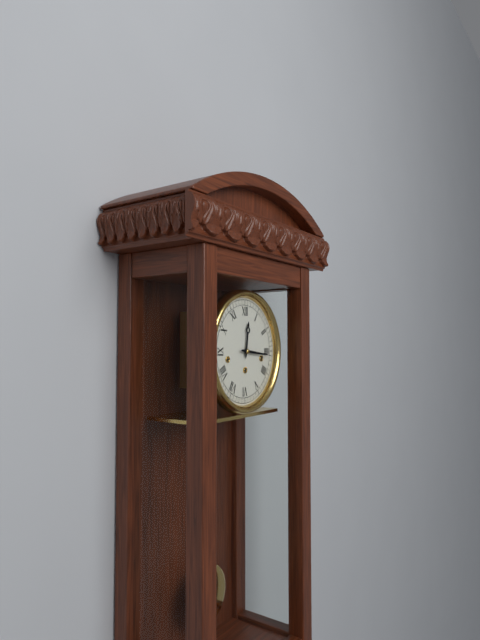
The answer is 12:16
